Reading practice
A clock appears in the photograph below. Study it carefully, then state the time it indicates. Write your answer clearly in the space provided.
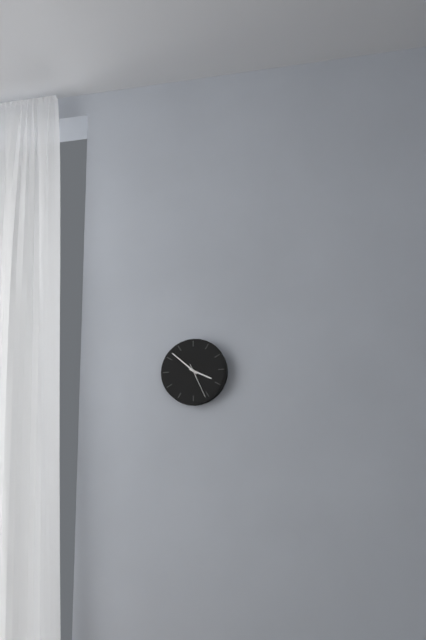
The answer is 3:52
